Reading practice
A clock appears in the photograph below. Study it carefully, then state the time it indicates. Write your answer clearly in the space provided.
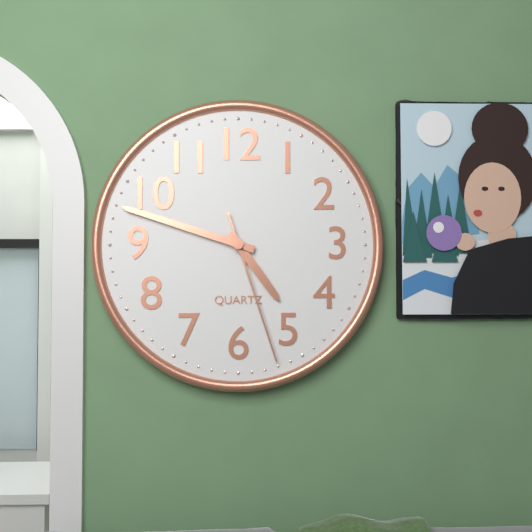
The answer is 4:48:27
